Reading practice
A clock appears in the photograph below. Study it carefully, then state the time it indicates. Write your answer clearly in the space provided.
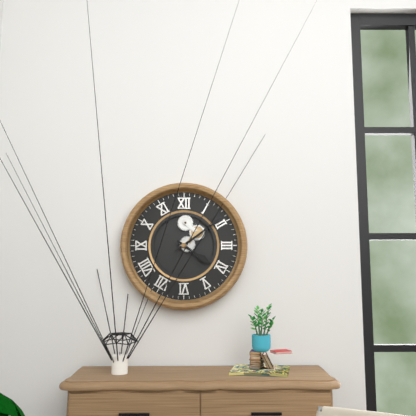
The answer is 4:09
